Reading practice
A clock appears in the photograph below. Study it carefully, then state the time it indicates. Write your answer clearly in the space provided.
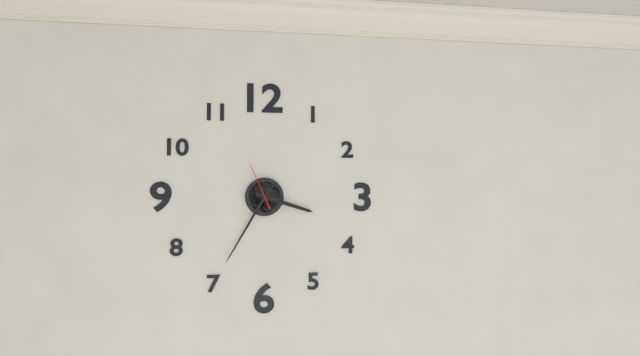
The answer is 3:35
